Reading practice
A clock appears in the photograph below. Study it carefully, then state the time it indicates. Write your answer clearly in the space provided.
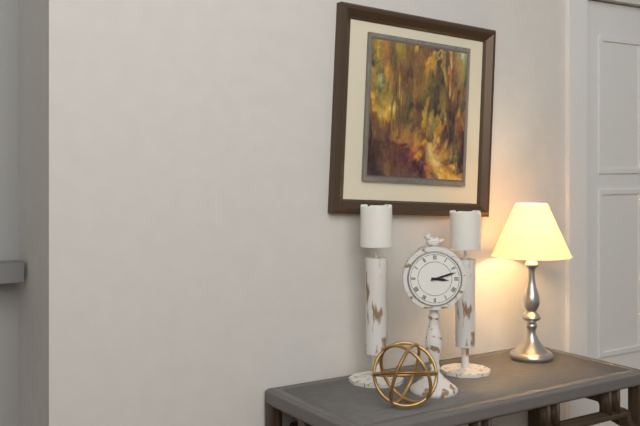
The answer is 3:12
